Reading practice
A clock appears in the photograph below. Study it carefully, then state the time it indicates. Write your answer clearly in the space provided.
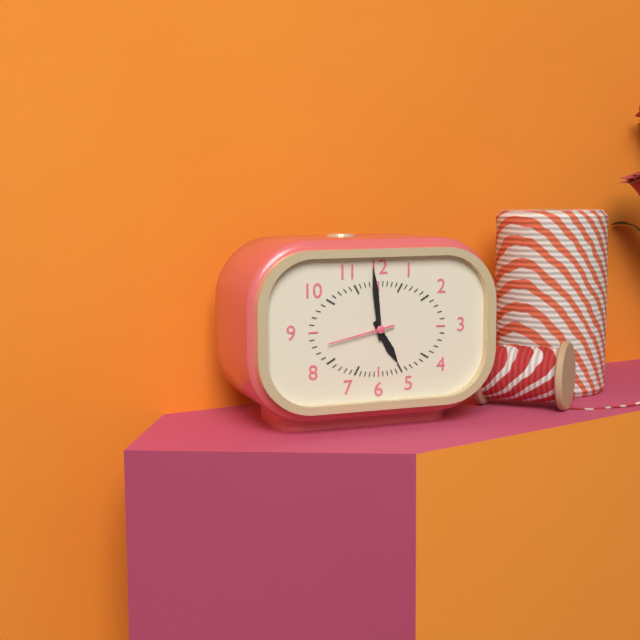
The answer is 4:59:43
